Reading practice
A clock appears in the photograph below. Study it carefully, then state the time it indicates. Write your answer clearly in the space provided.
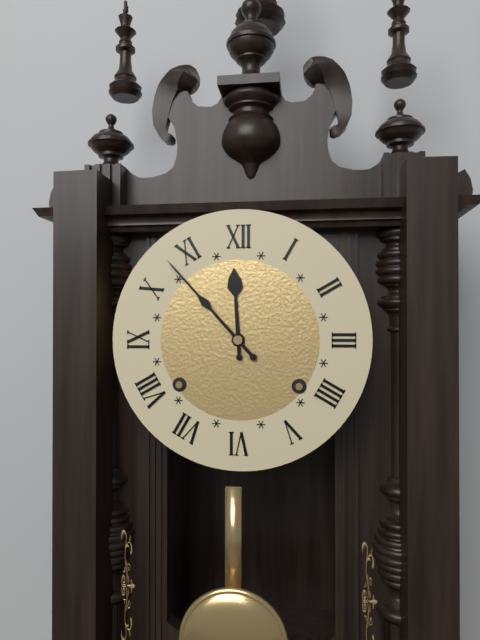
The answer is 11:53
